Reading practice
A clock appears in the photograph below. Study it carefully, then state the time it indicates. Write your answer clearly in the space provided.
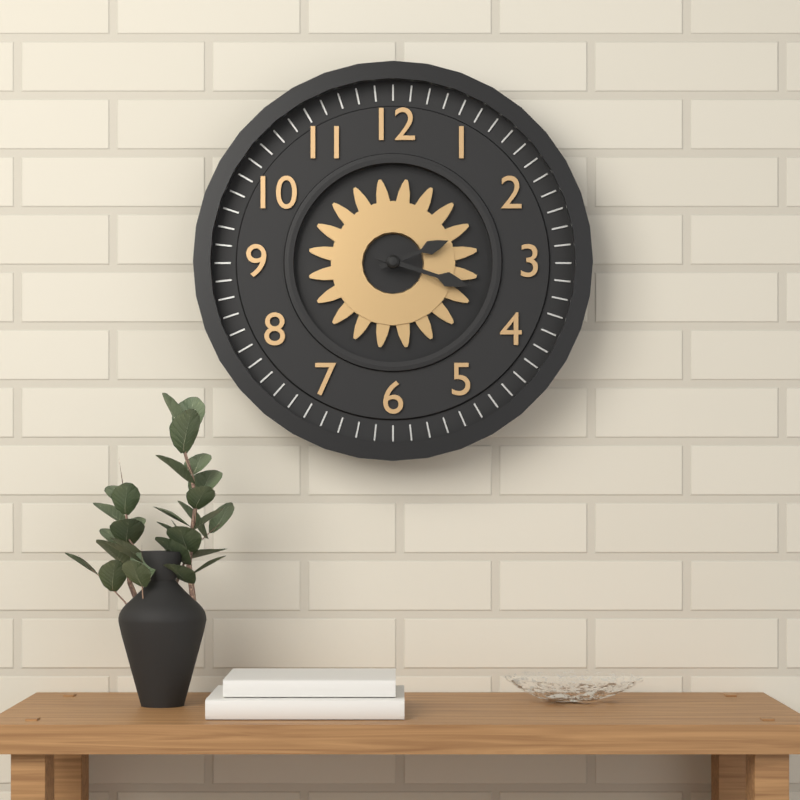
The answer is 2:18
